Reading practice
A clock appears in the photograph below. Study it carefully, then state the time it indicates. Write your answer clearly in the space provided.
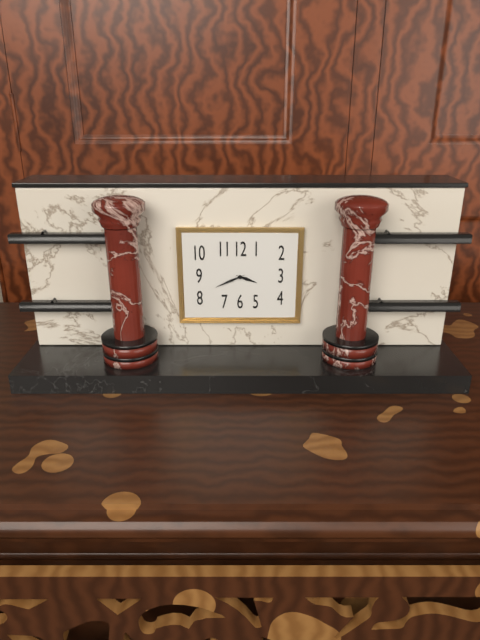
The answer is 3:41
